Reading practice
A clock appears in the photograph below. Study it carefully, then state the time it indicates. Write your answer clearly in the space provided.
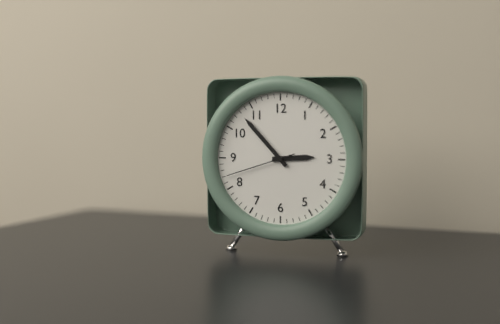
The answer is 2:53:42
